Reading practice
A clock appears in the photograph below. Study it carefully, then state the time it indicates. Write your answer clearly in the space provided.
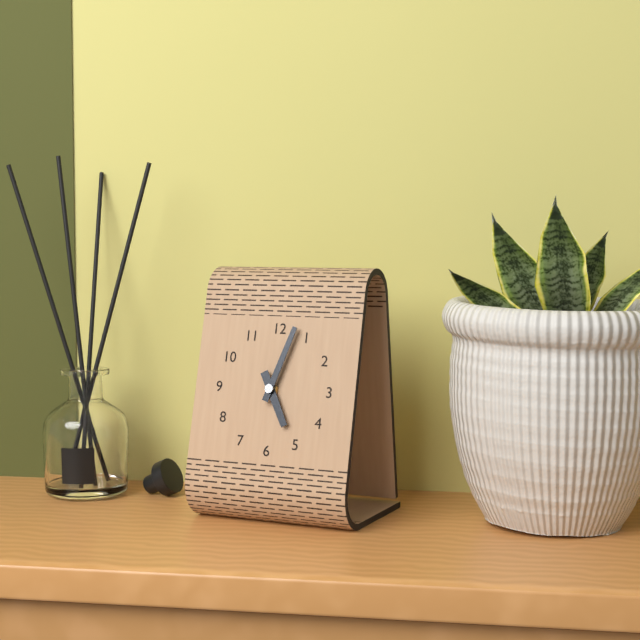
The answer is 5:03
